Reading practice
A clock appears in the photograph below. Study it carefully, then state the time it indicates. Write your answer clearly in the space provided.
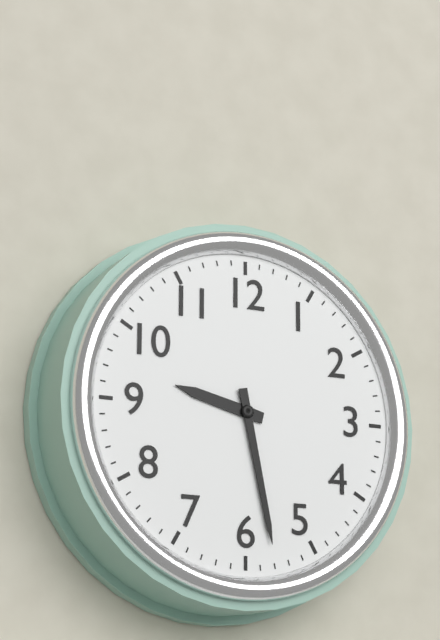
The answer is 9:28
